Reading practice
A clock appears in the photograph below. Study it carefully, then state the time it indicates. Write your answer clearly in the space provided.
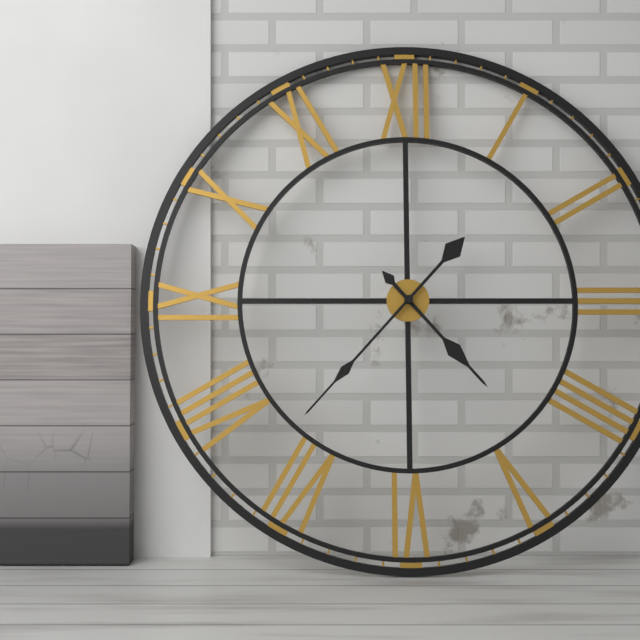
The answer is 4:37
